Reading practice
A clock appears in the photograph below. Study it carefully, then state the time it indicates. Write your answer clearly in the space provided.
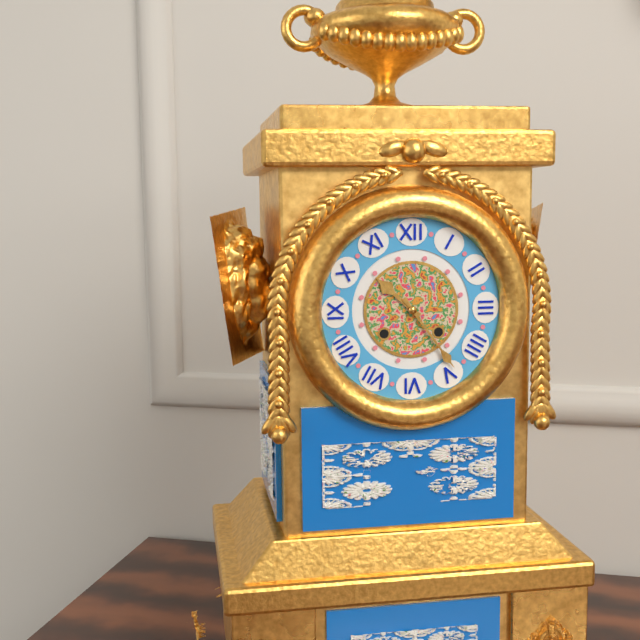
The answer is 10:24
